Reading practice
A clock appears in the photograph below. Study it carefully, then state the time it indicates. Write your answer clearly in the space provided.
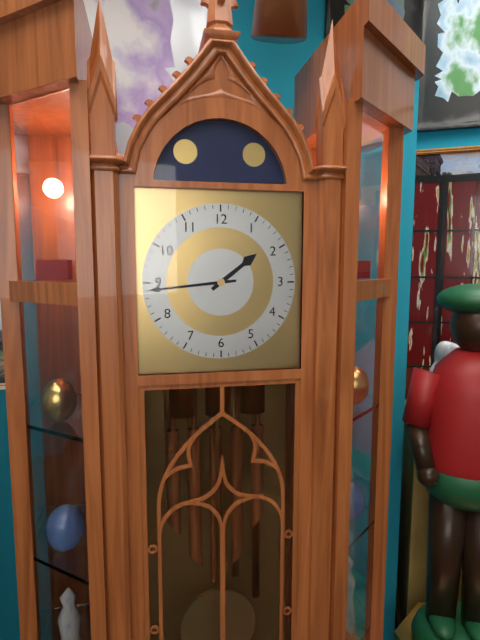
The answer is 1:44
